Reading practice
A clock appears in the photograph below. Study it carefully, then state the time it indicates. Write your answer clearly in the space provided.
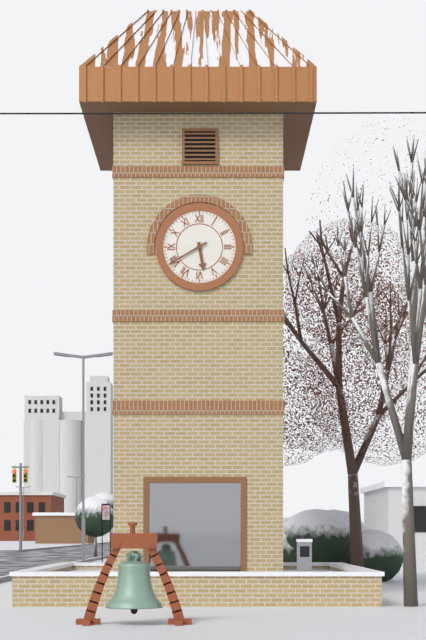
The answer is 5:40
